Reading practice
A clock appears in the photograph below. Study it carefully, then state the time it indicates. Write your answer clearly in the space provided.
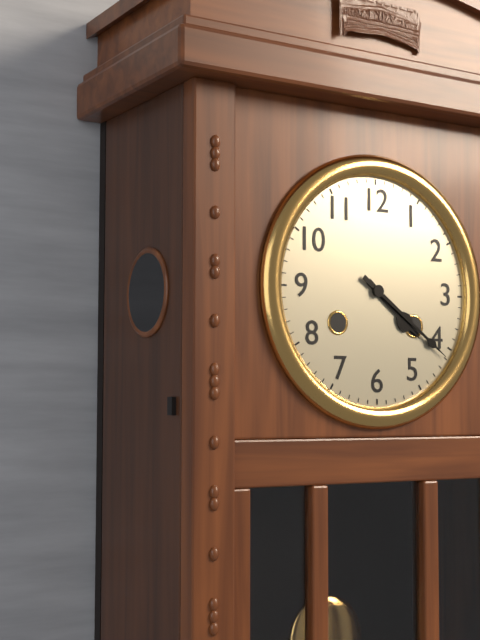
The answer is 4:21
